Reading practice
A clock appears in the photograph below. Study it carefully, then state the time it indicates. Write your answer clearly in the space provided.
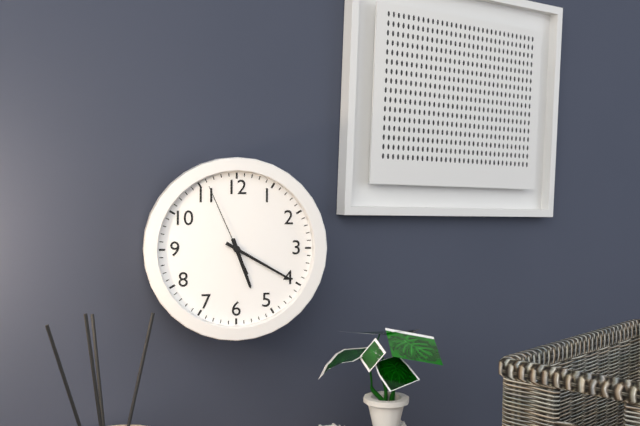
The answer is 5:20:56
